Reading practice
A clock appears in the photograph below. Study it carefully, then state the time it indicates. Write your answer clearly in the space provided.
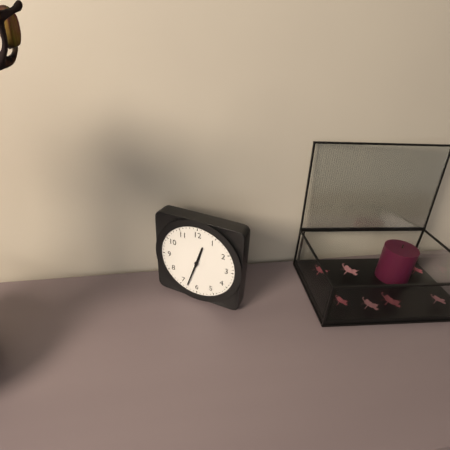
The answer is 12:33
